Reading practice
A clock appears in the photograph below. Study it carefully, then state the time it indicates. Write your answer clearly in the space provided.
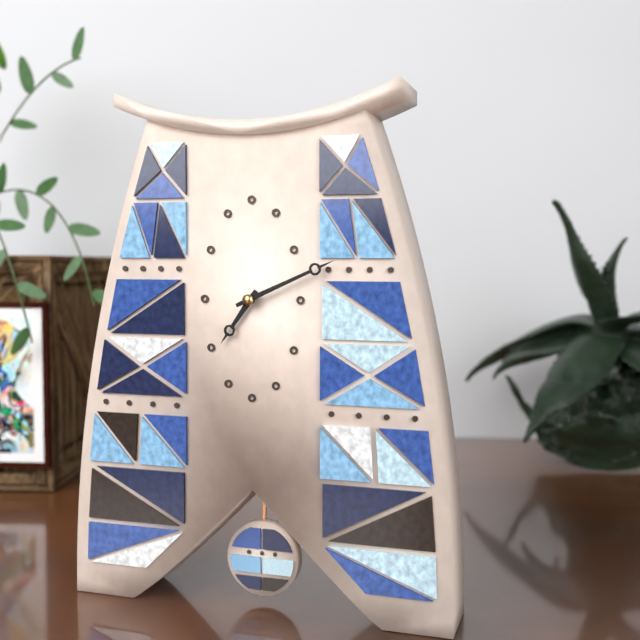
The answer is 7:11
